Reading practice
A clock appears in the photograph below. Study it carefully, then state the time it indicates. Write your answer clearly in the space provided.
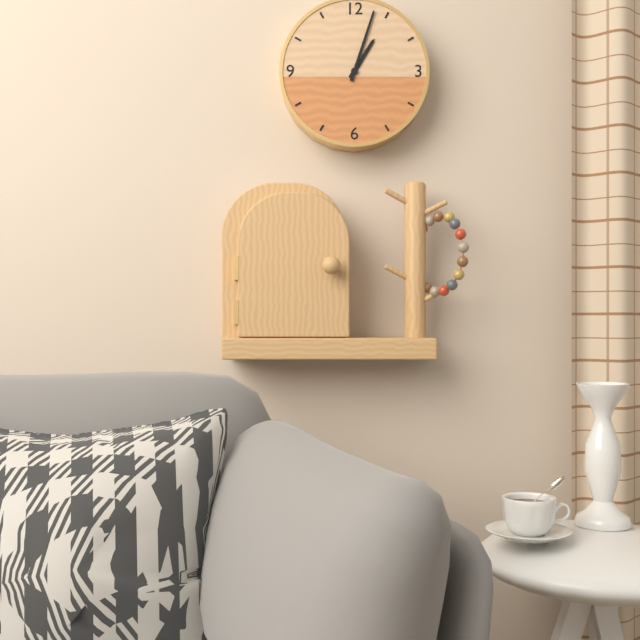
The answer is 1:03
